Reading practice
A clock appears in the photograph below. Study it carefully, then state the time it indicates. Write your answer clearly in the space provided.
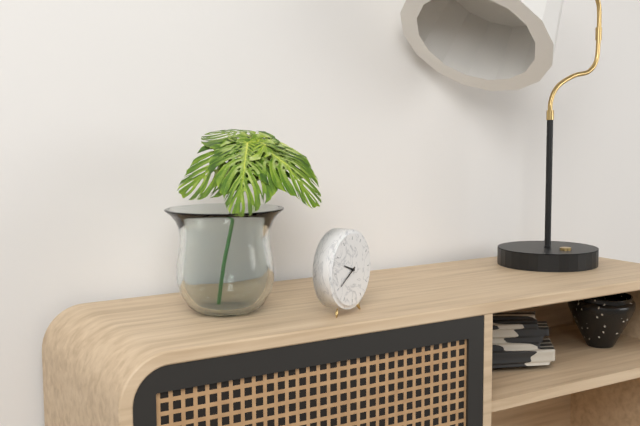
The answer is 9:40
